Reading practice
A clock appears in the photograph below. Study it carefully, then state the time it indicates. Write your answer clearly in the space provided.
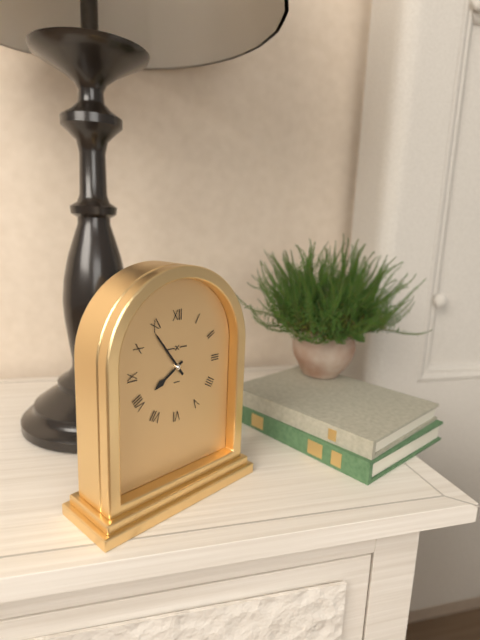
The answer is 7:54
